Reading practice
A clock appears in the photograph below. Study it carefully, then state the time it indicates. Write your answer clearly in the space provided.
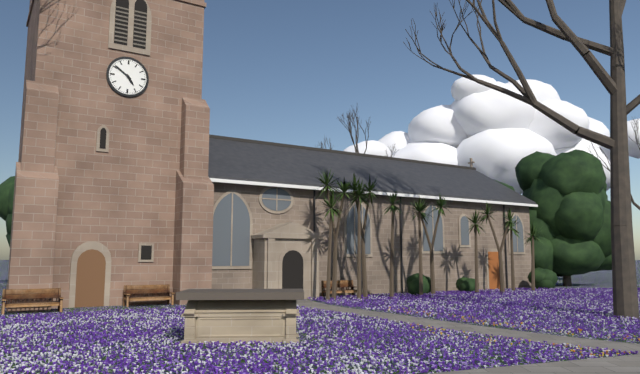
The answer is 4:51
